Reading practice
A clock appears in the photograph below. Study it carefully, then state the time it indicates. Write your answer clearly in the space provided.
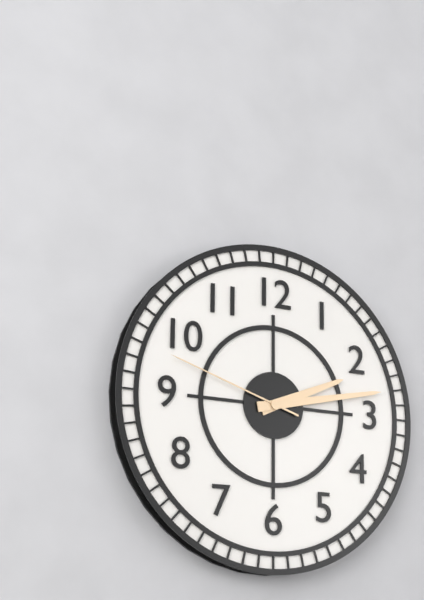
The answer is 2:13:48
